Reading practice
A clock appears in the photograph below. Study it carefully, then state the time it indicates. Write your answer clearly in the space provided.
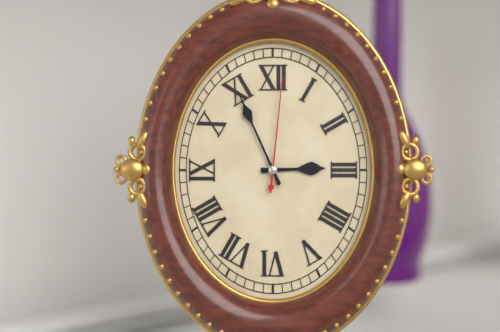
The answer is 2:56:01
